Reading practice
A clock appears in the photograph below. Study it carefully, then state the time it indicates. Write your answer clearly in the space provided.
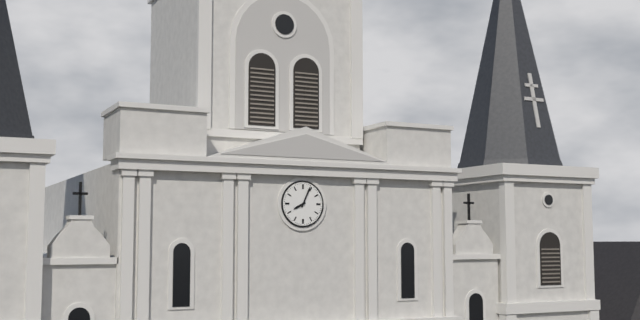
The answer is 8:04
